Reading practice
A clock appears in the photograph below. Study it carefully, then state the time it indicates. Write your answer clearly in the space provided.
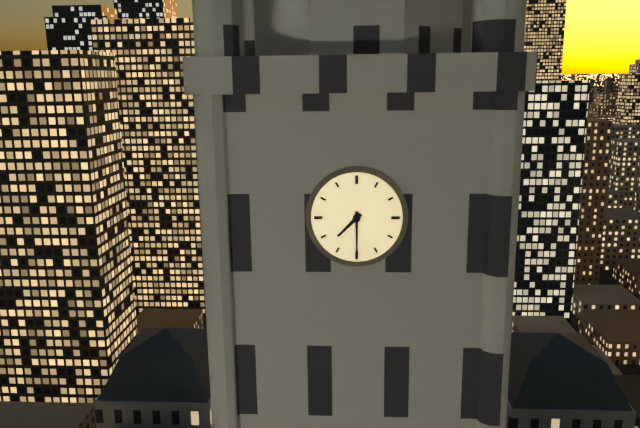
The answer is 7:30
